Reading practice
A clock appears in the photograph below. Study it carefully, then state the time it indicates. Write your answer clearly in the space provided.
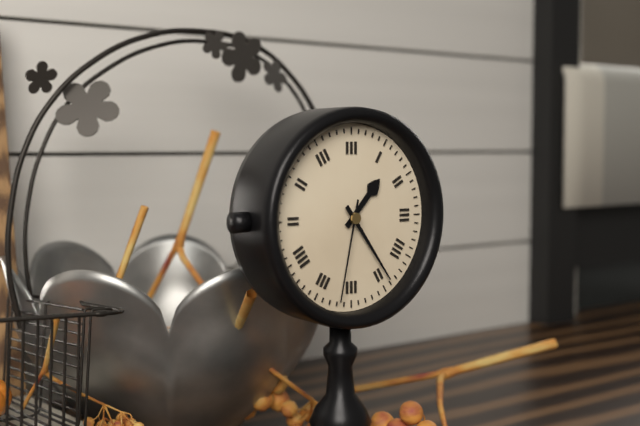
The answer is 1:24:32
